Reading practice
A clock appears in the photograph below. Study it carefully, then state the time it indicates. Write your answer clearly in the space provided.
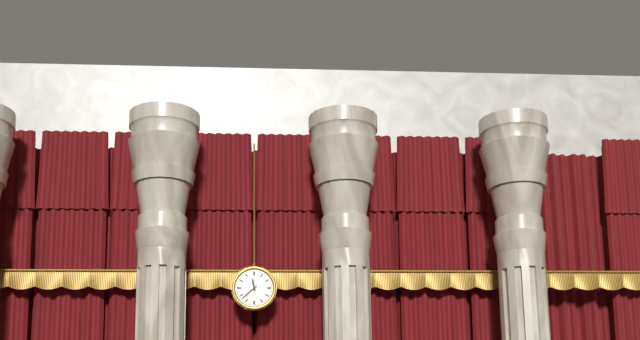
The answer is 11:38
